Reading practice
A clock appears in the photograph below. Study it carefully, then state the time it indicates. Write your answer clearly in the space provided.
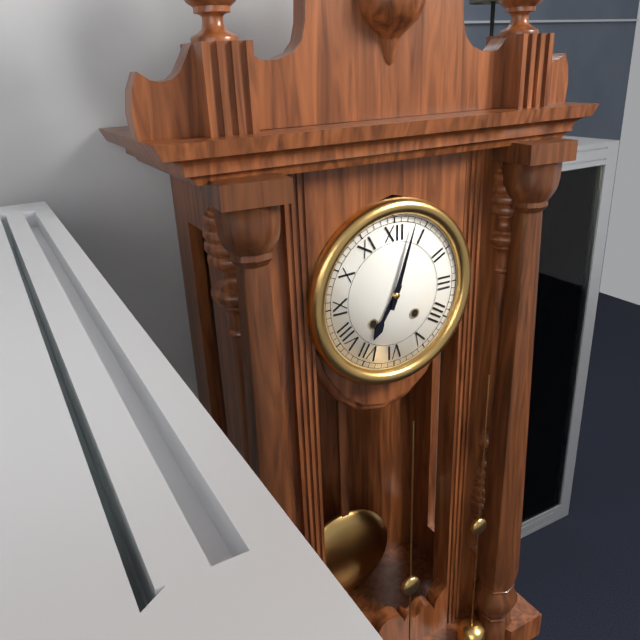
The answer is 7:03
